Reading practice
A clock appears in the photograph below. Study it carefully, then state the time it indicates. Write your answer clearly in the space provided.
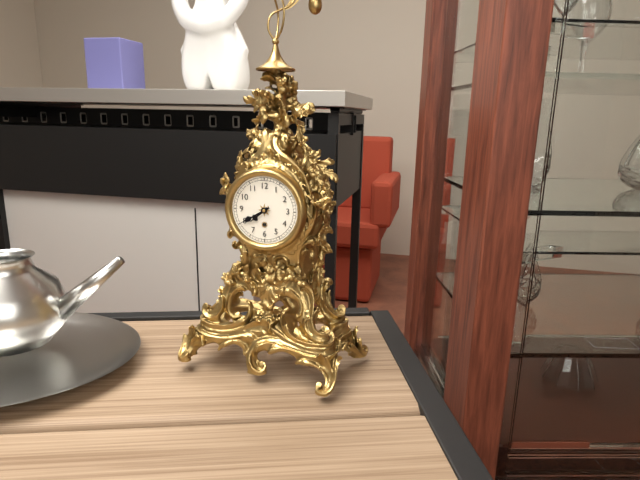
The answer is 7:40
